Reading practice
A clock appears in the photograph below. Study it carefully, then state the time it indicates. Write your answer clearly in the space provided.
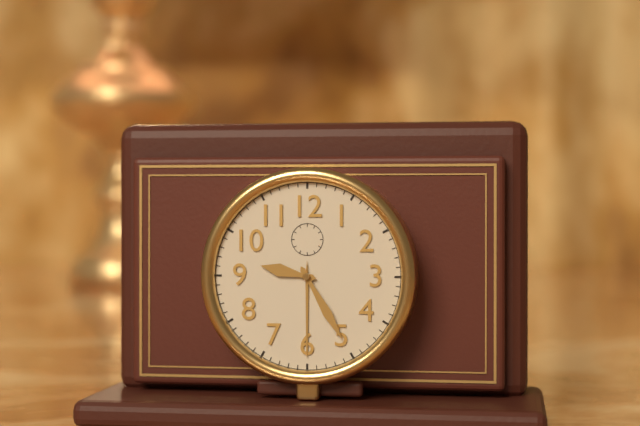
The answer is 9:25
